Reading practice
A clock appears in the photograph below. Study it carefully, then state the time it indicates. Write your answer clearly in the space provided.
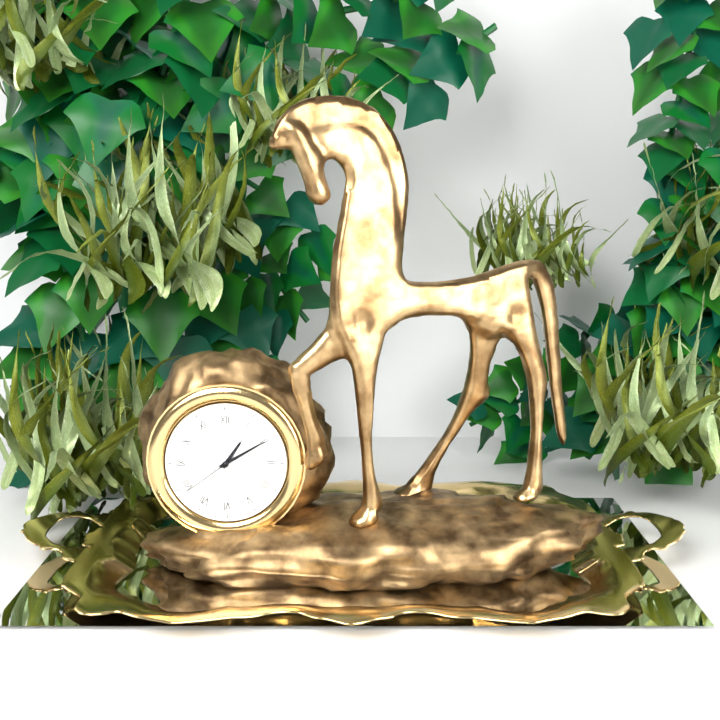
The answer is 1:10:39
